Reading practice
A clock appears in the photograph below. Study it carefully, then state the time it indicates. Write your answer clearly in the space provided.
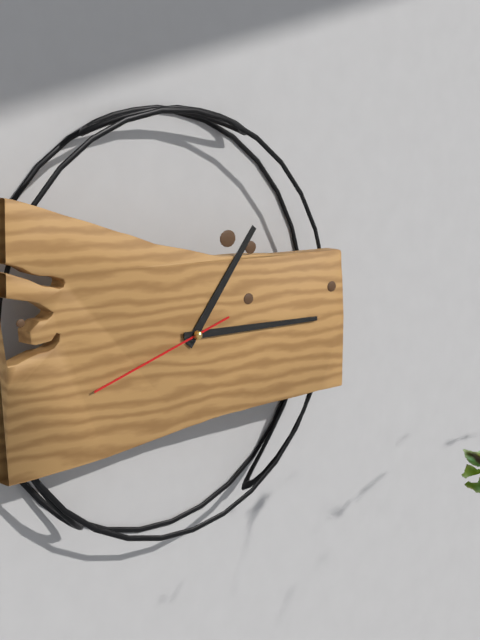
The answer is 1:15:42
